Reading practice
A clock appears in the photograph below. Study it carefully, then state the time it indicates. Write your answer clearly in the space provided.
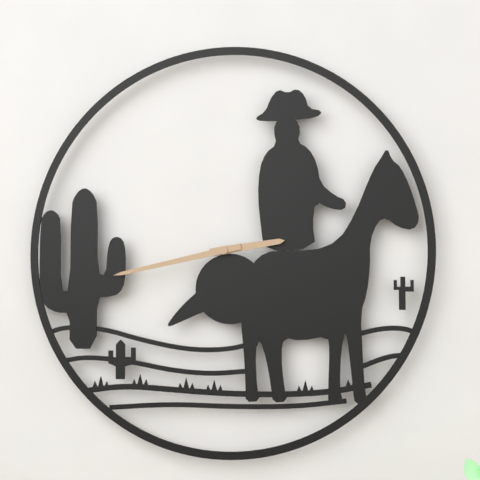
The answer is 2:43
